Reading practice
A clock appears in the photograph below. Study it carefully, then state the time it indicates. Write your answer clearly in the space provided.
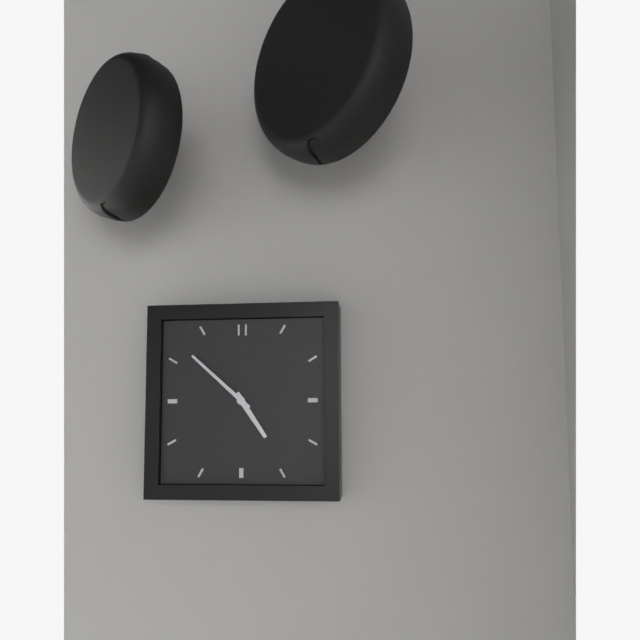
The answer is 4:52
